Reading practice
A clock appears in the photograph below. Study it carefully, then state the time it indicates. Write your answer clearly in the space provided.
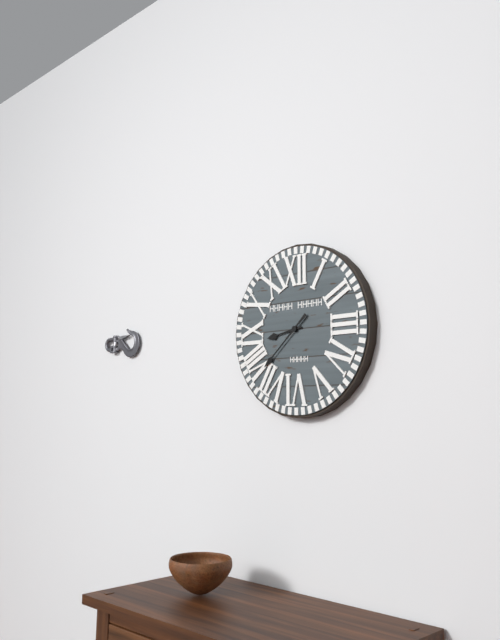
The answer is 8:38
